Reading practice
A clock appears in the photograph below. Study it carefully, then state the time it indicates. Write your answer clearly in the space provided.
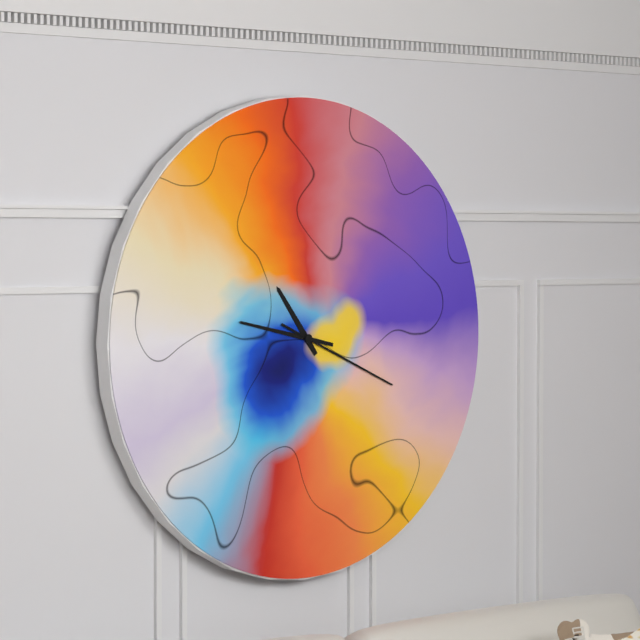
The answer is 10:47:19
